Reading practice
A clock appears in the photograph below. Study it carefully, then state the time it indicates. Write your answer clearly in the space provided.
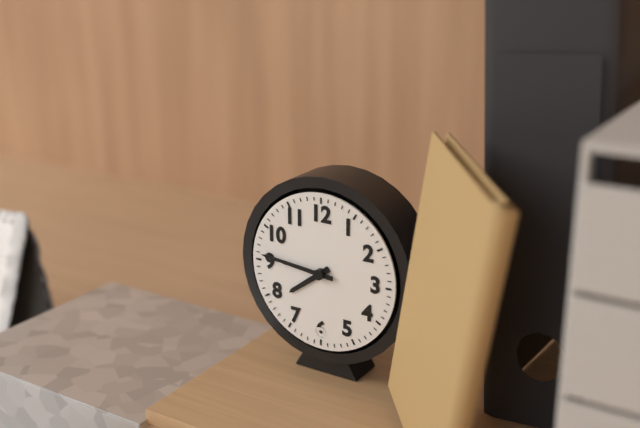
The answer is 7:46
